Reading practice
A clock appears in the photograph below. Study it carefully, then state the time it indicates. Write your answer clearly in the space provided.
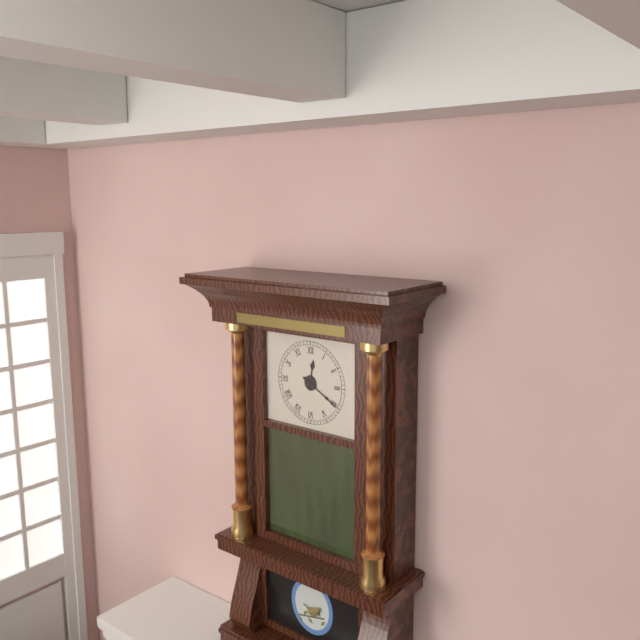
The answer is 12:20
